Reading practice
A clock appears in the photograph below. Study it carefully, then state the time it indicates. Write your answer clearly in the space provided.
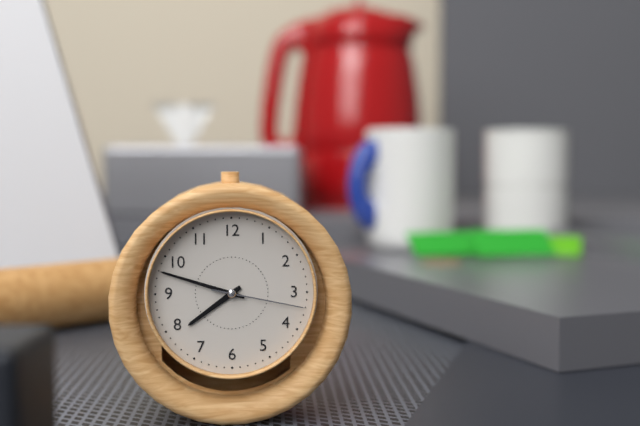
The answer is 7:48:17
